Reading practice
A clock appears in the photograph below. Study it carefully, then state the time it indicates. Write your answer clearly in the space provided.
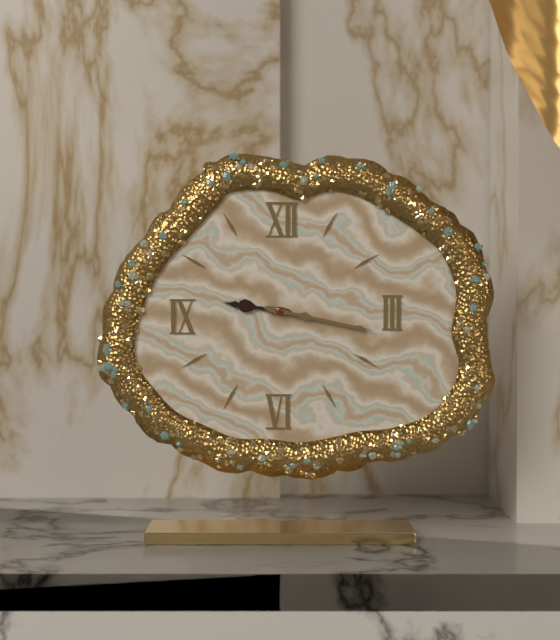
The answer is 9:17
